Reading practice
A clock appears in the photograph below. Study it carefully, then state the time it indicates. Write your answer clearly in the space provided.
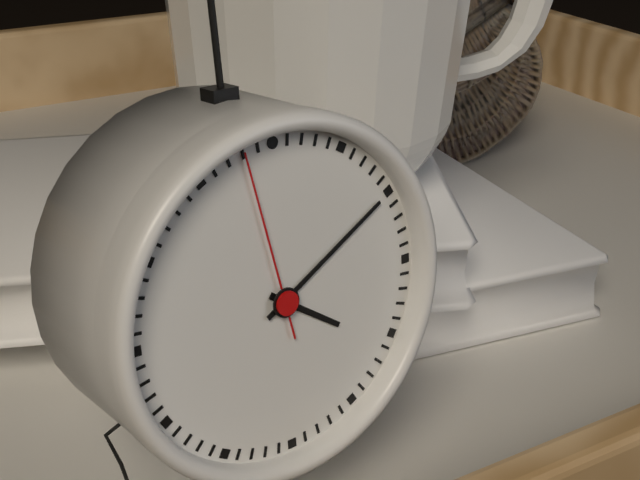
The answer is 4:10:58
